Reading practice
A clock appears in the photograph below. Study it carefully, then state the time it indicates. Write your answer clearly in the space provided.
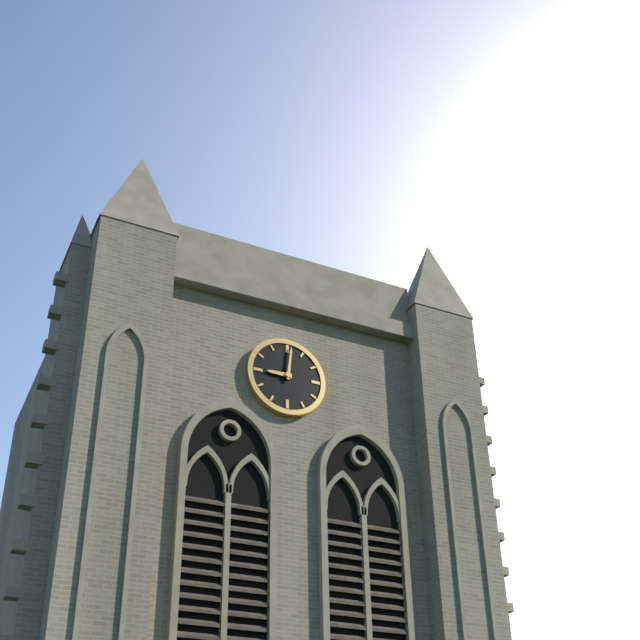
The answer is 9:01
